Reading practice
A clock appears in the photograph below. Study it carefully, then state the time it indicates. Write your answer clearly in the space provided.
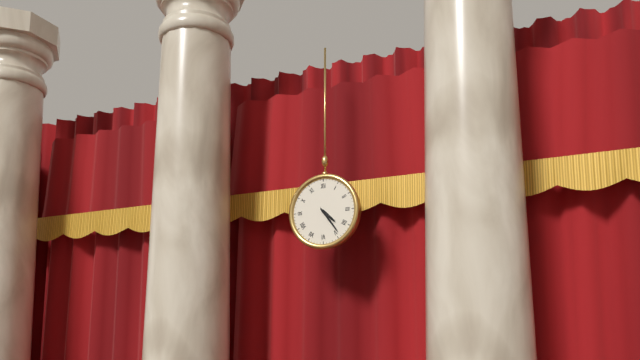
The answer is 4:24
